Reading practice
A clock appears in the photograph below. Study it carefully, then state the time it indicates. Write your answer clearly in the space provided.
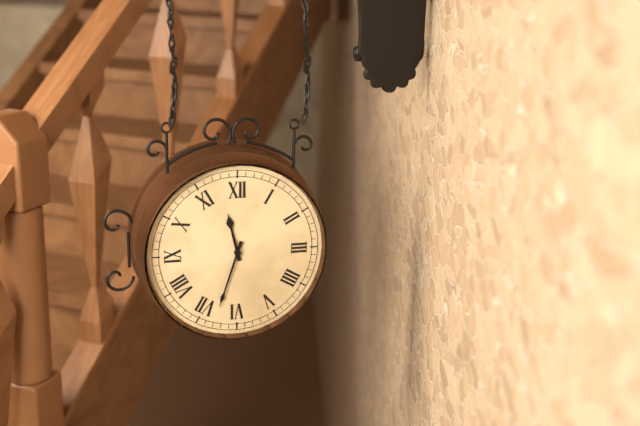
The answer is 11:33
